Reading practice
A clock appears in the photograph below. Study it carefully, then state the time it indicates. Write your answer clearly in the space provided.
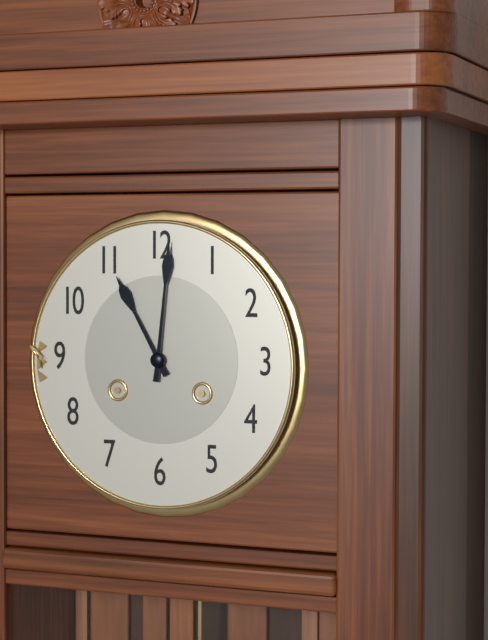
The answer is 11:01
